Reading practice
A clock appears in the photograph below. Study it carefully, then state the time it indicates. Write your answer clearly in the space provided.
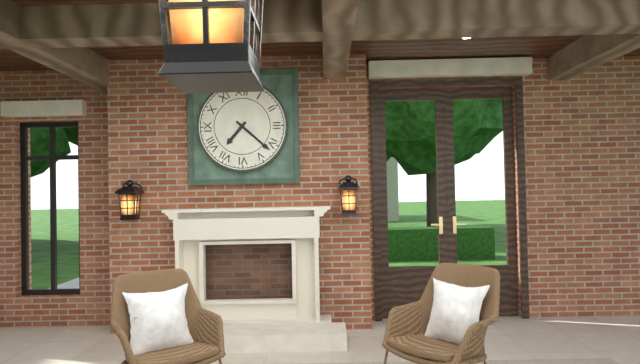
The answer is 7:22
